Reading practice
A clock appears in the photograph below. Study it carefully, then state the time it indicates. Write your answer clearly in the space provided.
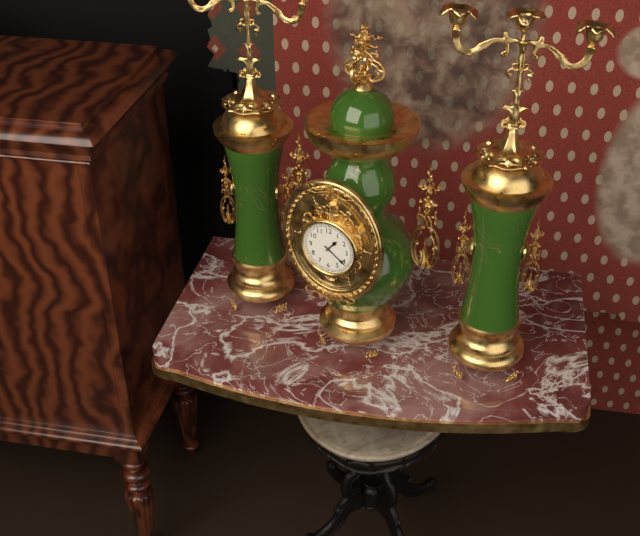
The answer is 1:21
